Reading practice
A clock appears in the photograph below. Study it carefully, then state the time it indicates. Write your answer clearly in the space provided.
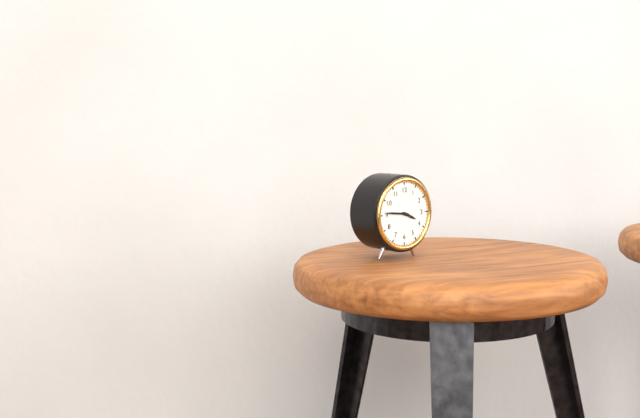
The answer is 3:46
